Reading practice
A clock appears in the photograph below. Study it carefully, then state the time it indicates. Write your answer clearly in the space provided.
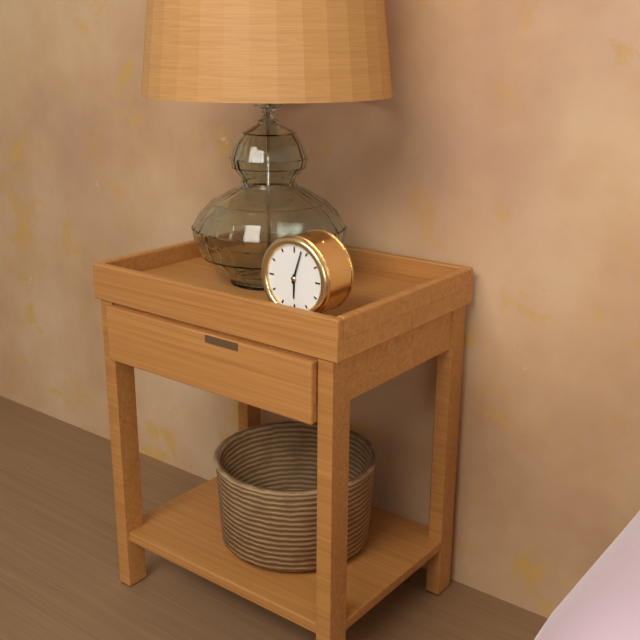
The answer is 6:03
